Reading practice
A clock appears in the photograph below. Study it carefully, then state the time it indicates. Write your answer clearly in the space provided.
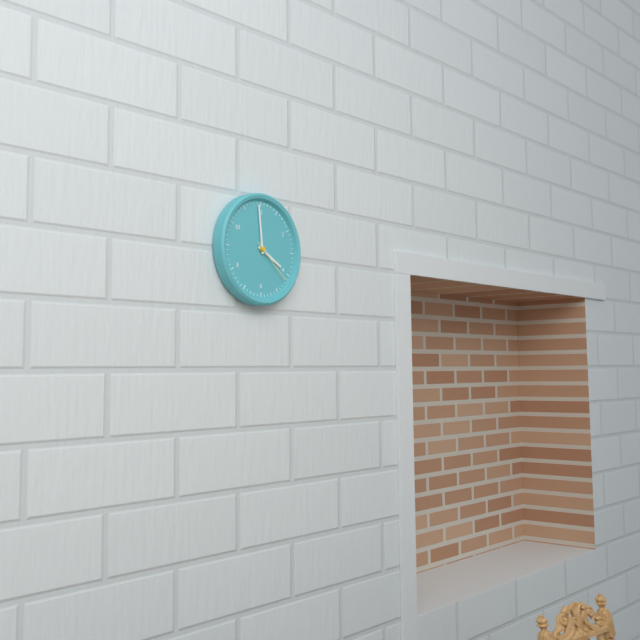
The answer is 3:59:22
